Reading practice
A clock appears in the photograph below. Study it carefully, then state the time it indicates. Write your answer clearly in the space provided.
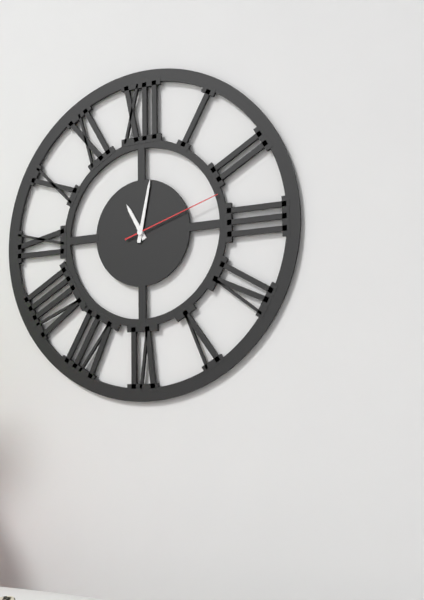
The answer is 11:02:12
